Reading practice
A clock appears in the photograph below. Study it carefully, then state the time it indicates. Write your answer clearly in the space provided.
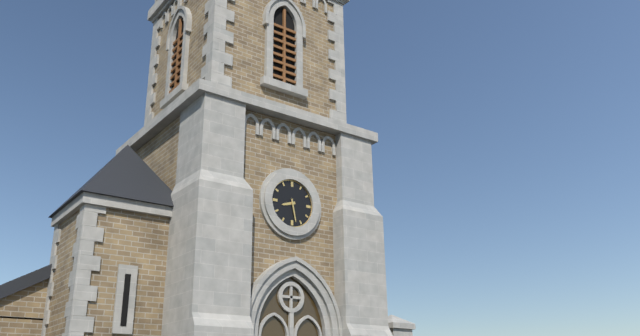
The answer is 8:28
